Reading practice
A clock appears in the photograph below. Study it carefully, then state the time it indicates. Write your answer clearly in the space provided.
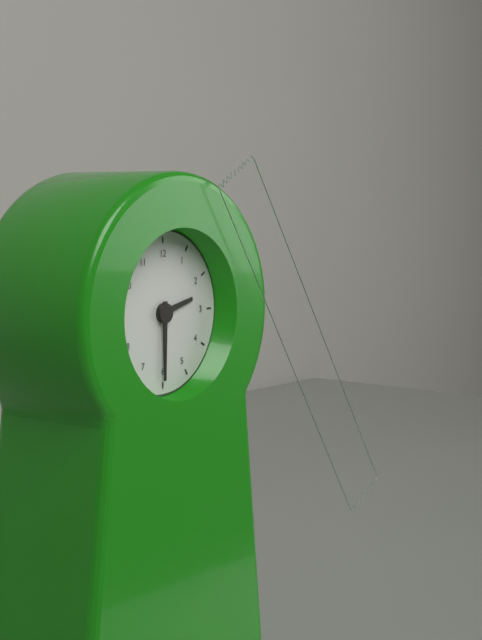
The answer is 2:30
